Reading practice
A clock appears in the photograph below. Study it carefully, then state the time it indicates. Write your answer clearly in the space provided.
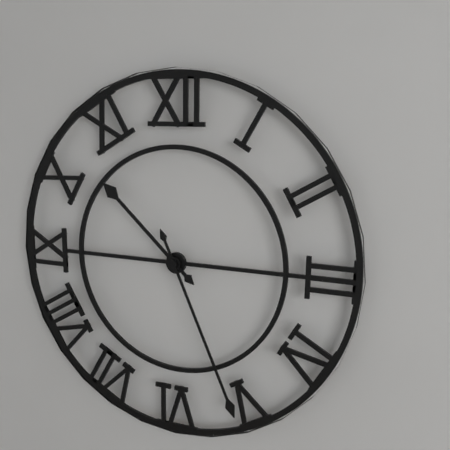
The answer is 10:26
